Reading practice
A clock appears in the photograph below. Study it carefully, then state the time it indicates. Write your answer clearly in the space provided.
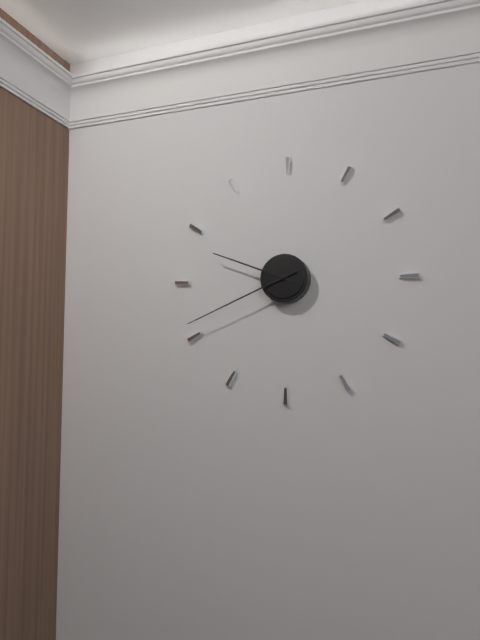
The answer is 9:41
